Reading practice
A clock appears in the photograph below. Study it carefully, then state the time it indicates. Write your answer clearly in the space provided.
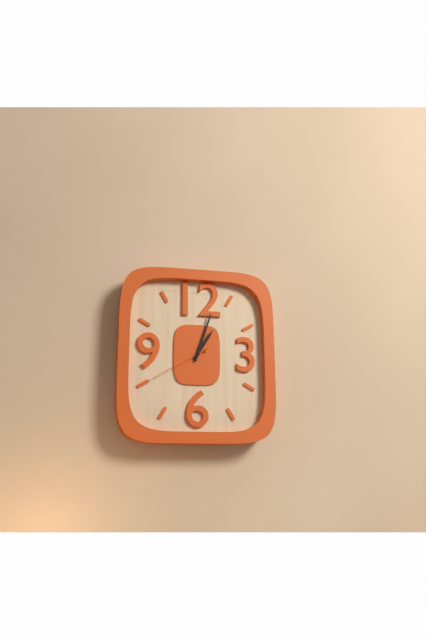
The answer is 1:03:40
